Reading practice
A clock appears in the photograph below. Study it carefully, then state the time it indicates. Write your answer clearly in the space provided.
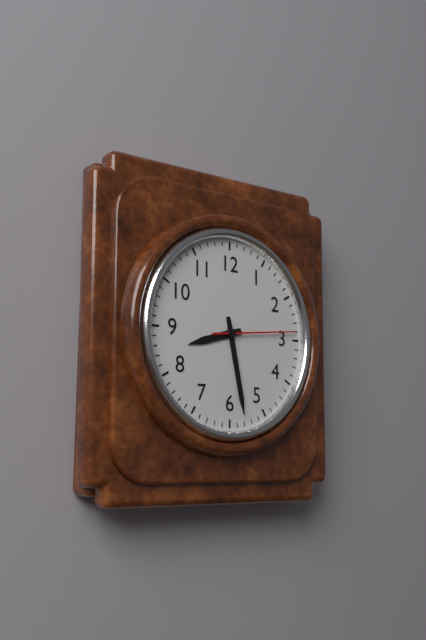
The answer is 8:28:14
